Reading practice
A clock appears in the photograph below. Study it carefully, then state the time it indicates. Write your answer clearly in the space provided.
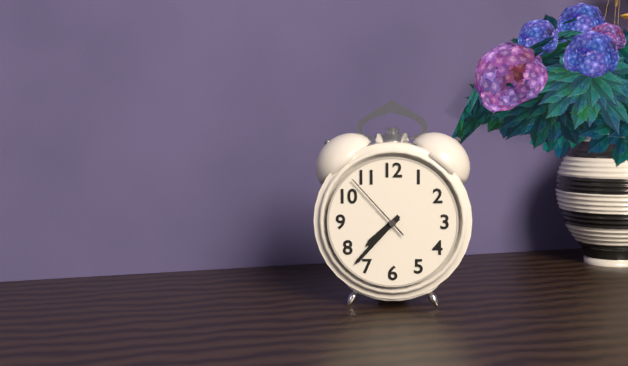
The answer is 7:37:53
